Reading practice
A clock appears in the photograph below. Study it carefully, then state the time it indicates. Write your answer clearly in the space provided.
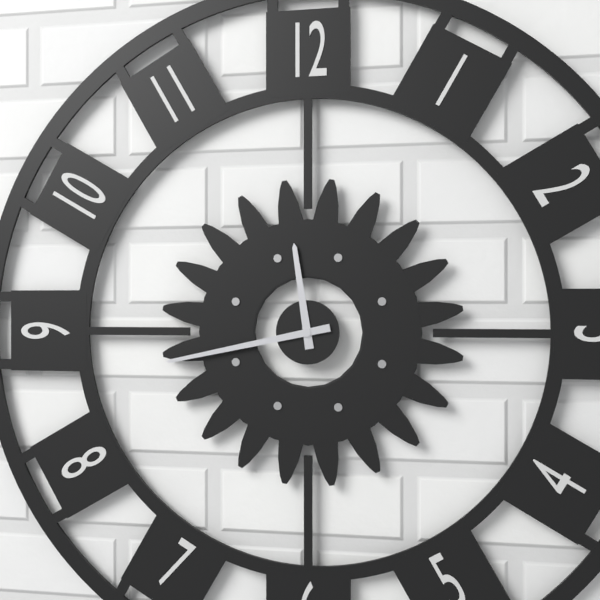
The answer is 11:43
